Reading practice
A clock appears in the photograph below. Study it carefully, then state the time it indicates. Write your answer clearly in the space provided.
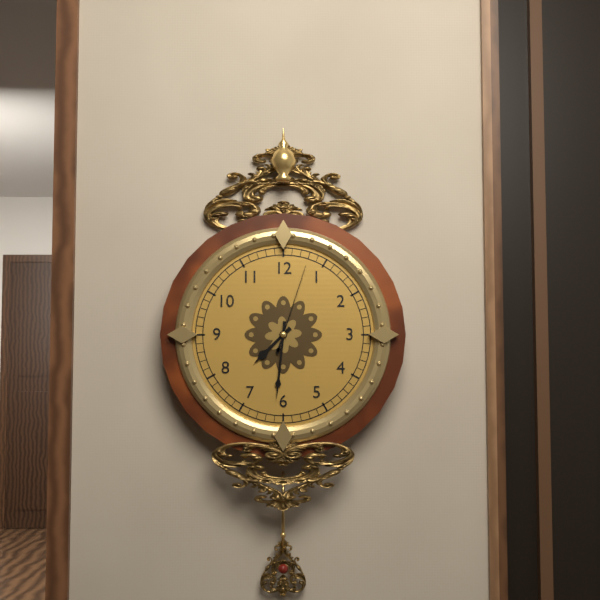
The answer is 7:31:03
